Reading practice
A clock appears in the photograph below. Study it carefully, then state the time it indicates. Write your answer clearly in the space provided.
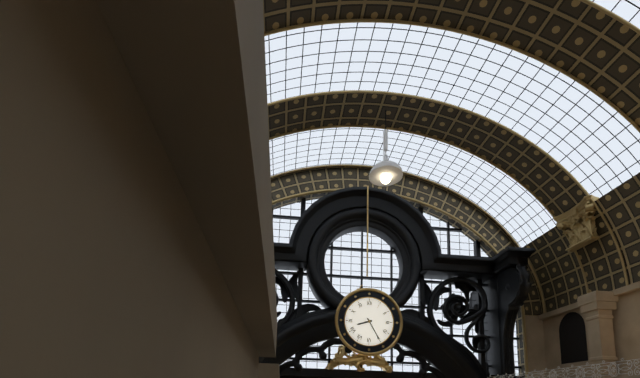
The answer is 8:25
